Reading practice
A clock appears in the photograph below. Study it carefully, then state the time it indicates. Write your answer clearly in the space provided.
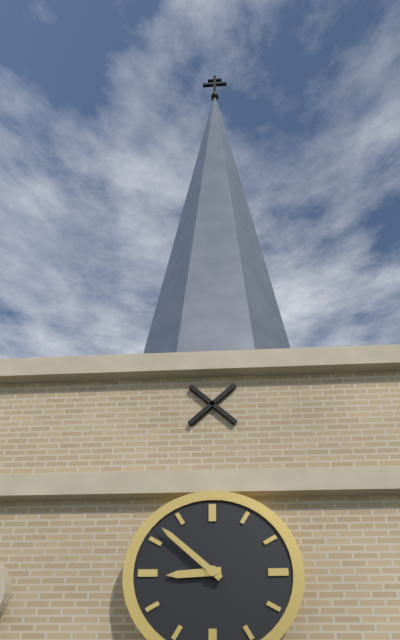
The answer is 8:52
